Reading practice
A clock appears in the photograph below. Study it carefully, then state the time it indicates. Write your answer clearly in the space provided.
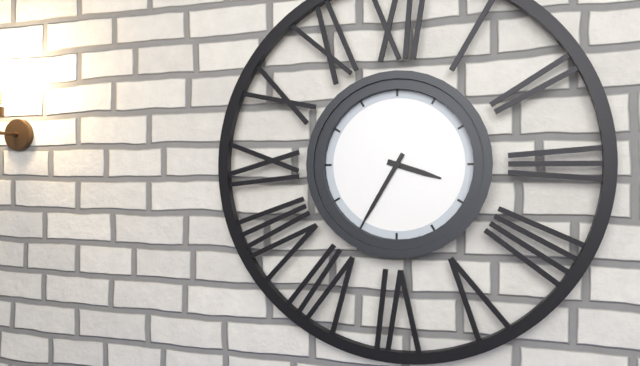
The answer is 3:35
